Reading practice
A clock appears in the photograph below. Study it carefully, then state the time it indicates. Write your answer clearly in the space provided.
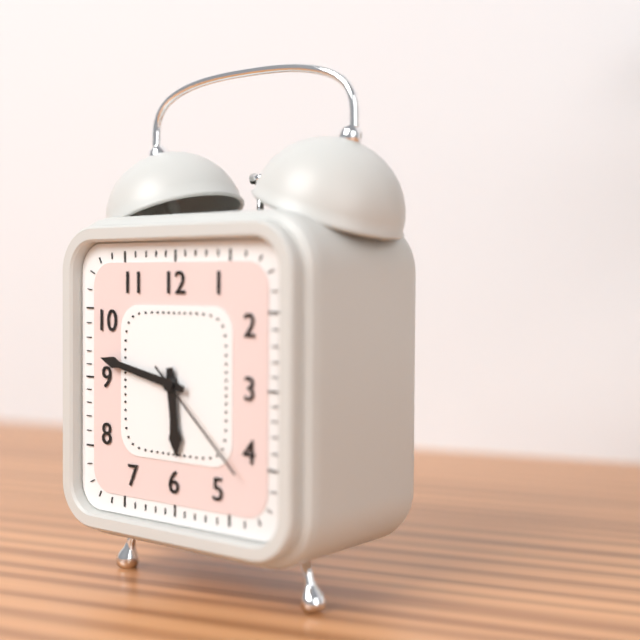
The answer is 5:47:22
